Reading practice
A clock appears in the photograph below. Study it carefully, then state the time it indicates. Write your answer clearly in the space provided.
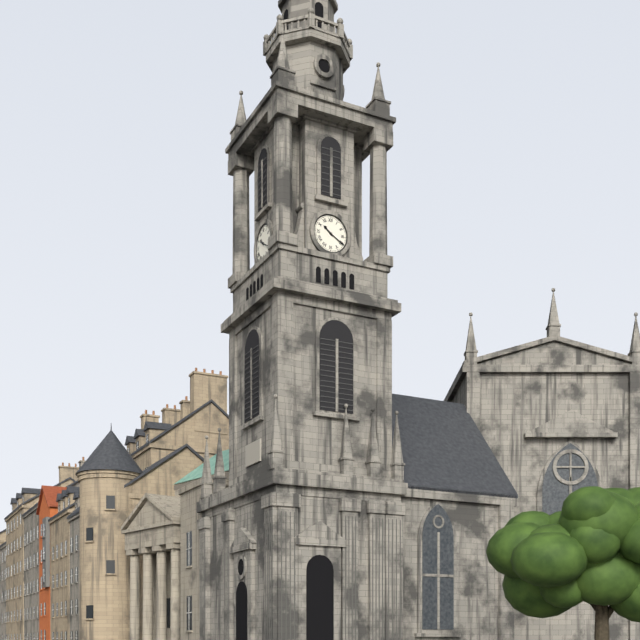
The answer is 10:20
